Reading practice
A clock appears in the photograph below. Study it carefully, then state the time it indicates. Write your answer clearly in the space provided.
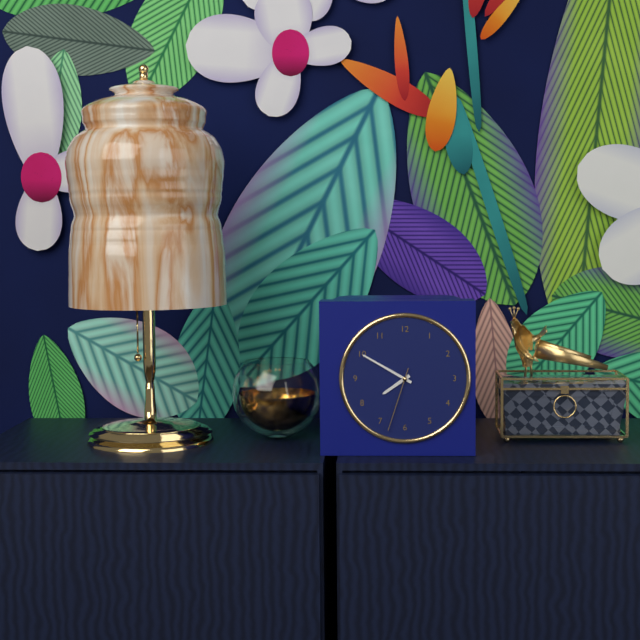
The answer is 7:50:33
